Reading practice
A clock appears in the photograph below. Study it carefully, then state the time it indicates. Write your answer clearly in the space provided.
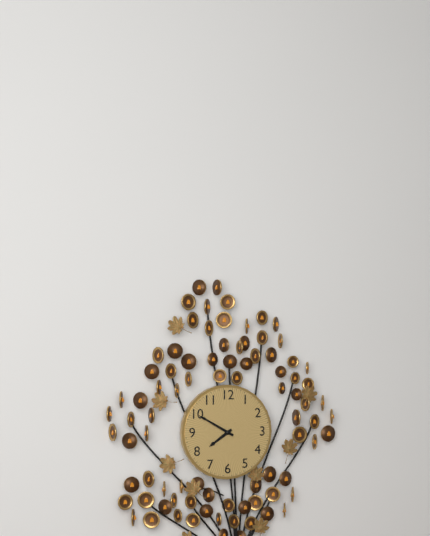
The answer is 7:50
